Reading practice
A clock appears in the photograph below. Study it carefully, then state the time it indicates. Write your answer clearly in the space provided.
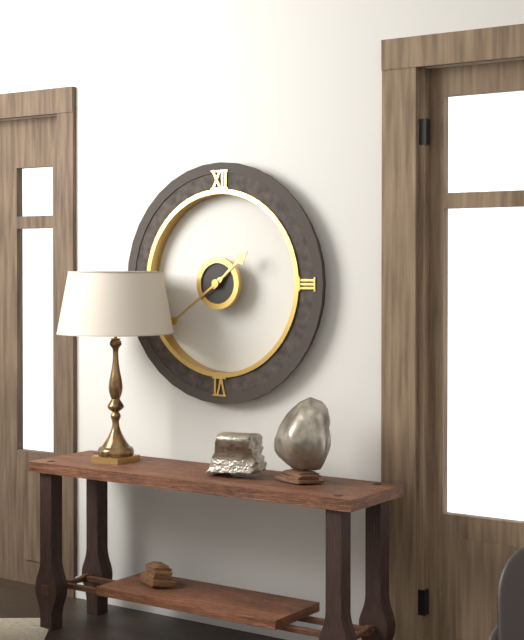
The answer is 1:39
